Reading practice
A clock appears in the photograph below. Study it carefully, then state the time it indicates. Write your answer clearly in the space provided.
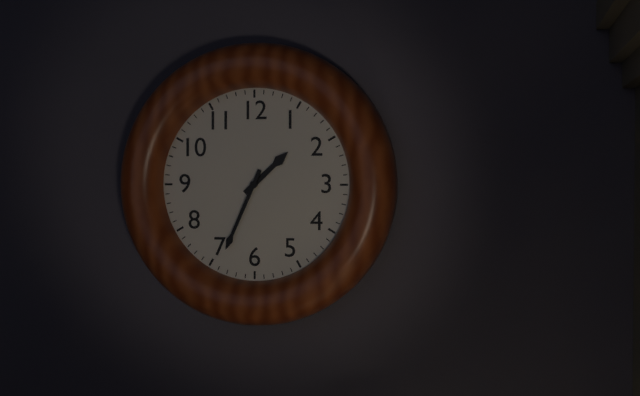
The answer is 1:34
